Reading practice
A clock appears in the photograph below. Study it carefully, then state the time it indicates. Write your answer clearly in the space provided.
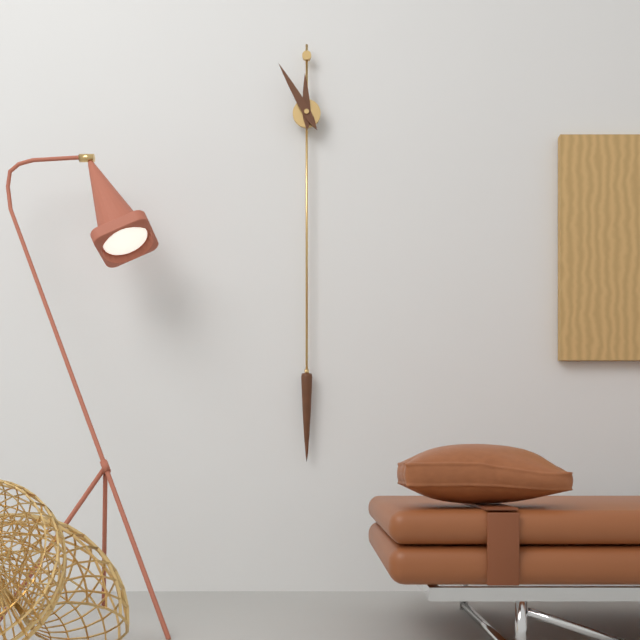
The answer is 11:55
